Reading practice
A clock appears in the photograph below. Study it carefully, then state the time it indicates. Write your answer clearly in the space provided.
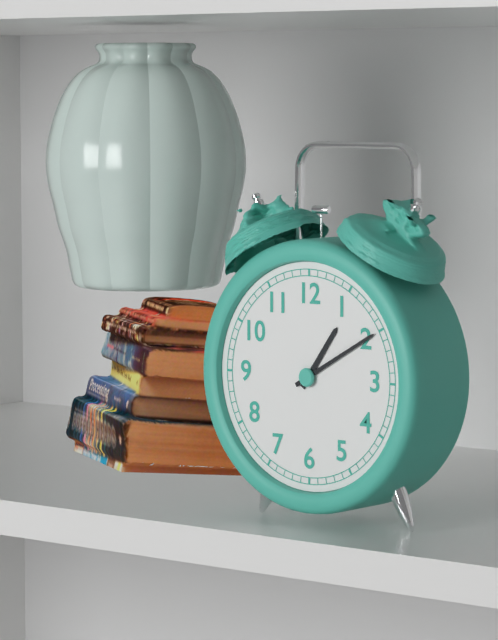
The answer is 1:10
